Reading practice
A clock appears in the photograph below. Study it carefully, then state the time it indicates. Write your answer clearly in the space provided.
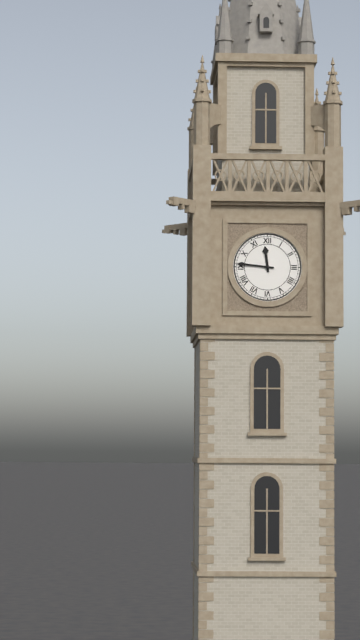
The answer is 11:46
